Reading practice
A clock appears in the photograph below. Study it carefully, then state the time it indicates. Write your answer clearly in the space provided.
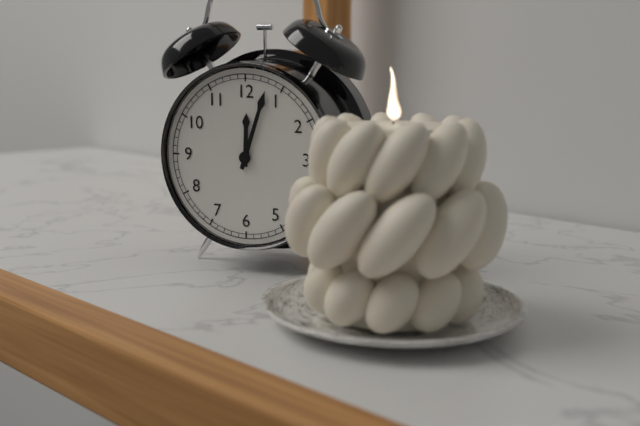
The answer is 12:03
